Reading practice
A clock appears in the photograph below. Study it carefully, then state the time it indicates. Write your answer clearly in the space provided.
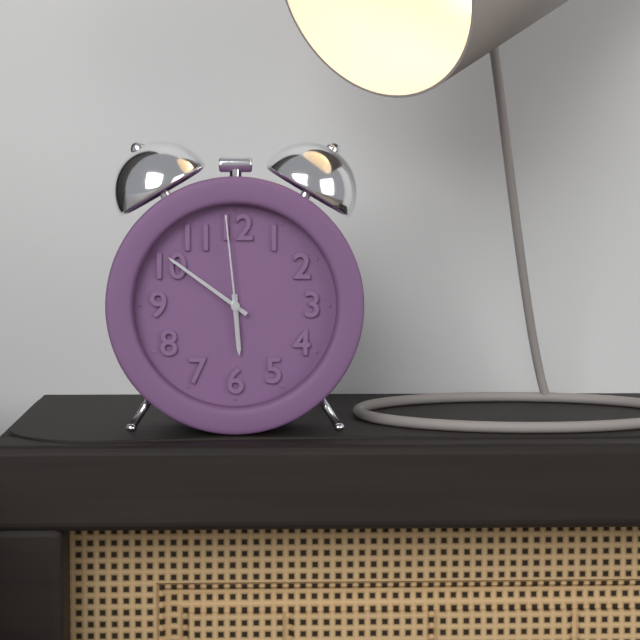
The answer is 5:51:59
